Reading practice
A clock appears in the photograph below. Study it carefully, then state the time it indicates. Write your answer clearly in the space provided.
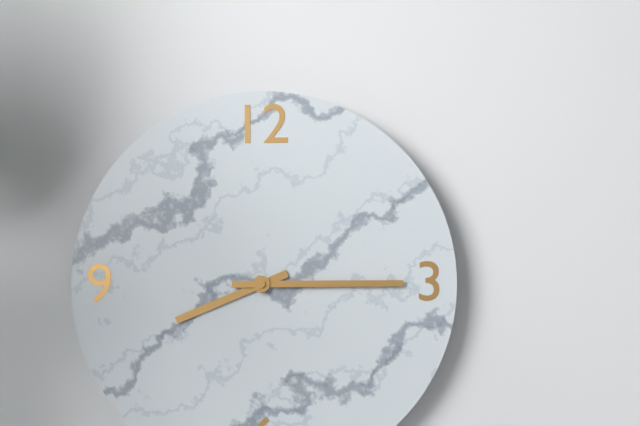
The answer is 8:15
